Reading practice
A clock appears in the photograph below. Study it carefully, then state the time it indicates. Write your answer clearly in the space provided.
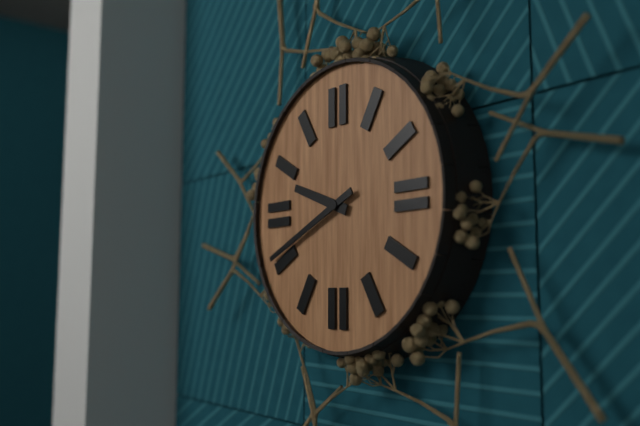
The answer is 9:41
